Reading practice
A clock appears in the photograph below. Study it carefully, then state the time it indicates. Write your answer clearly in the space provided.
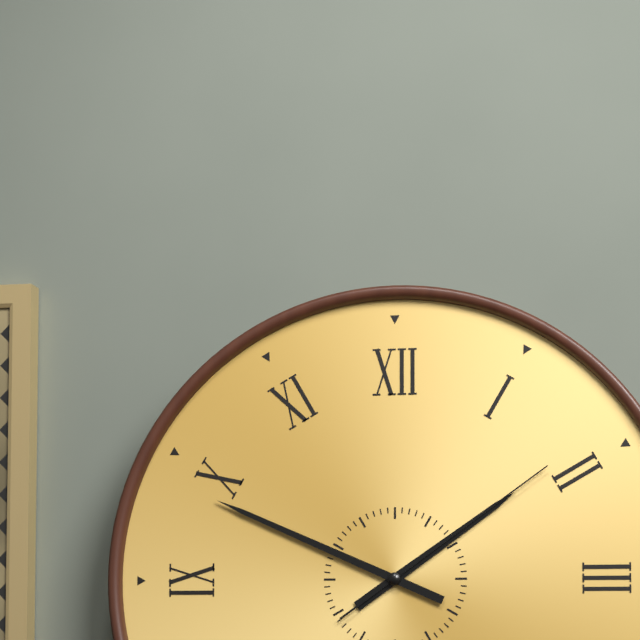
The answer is 1:49:09
